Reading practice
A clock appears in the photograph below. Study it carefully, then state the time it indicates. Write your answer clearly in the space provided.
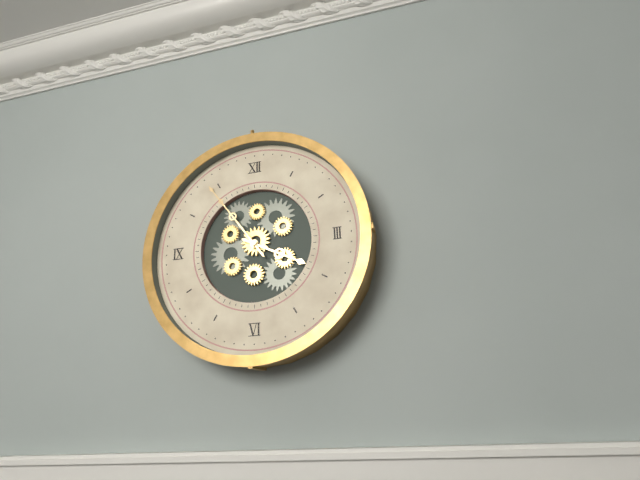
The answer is 3:54
